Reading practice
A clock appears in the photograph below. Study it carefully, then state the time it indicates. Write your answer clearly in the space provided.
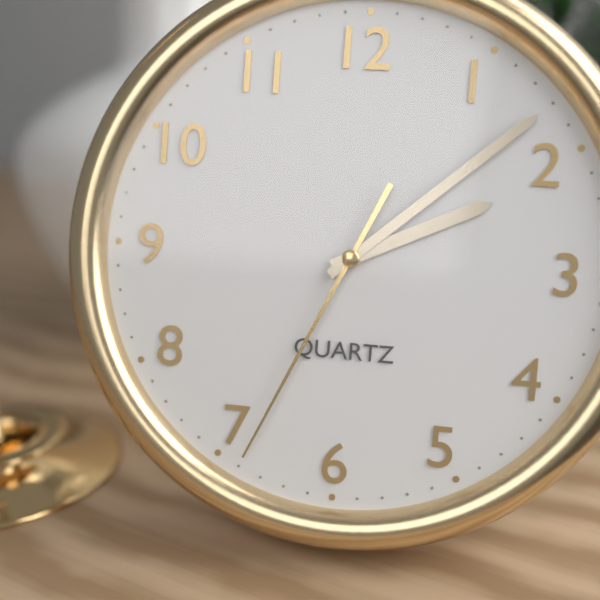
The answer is 2:08:34
